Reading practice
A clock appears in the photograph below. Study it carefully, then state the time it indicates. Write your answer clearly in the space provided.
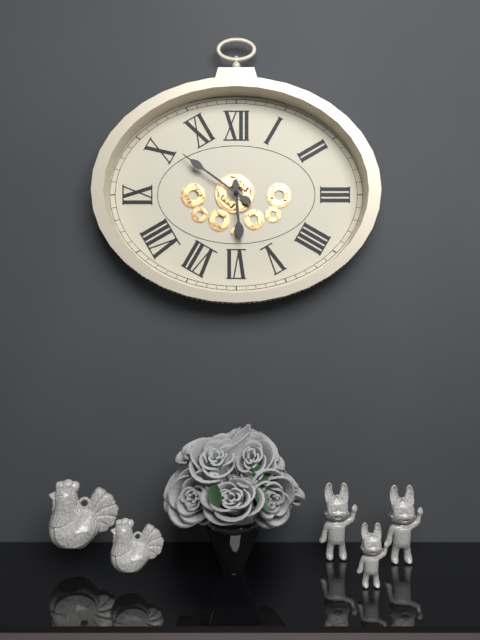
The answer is 5:51
